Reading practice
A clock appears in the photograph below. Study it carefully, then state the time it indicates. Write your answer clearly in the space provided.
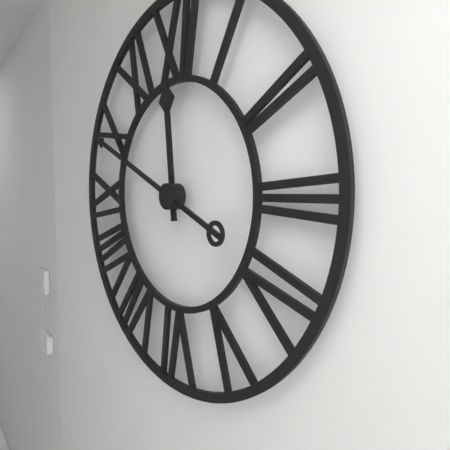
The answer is 11:49
